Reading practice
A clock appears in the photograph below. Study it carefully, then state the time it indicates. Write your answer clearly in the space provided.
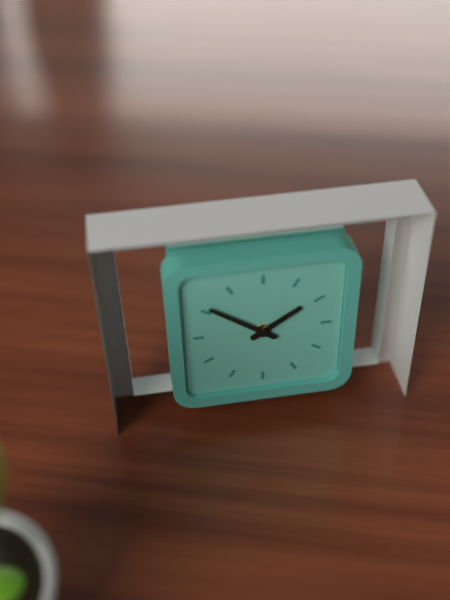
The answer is 1:51
